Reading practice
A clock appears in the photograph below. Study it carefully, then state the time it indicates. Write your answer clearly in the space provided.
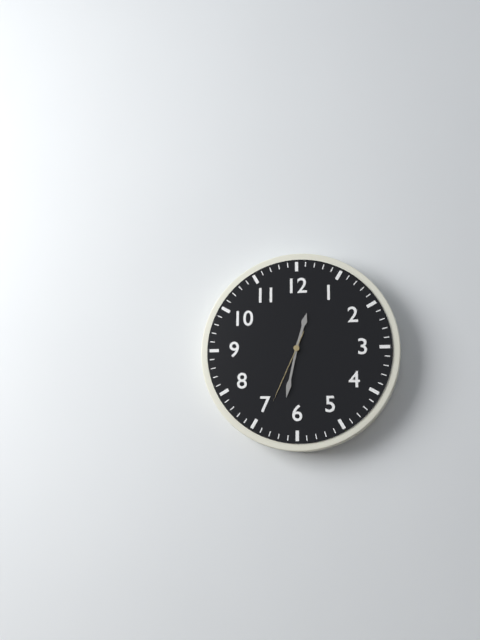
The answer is 12:32:34
